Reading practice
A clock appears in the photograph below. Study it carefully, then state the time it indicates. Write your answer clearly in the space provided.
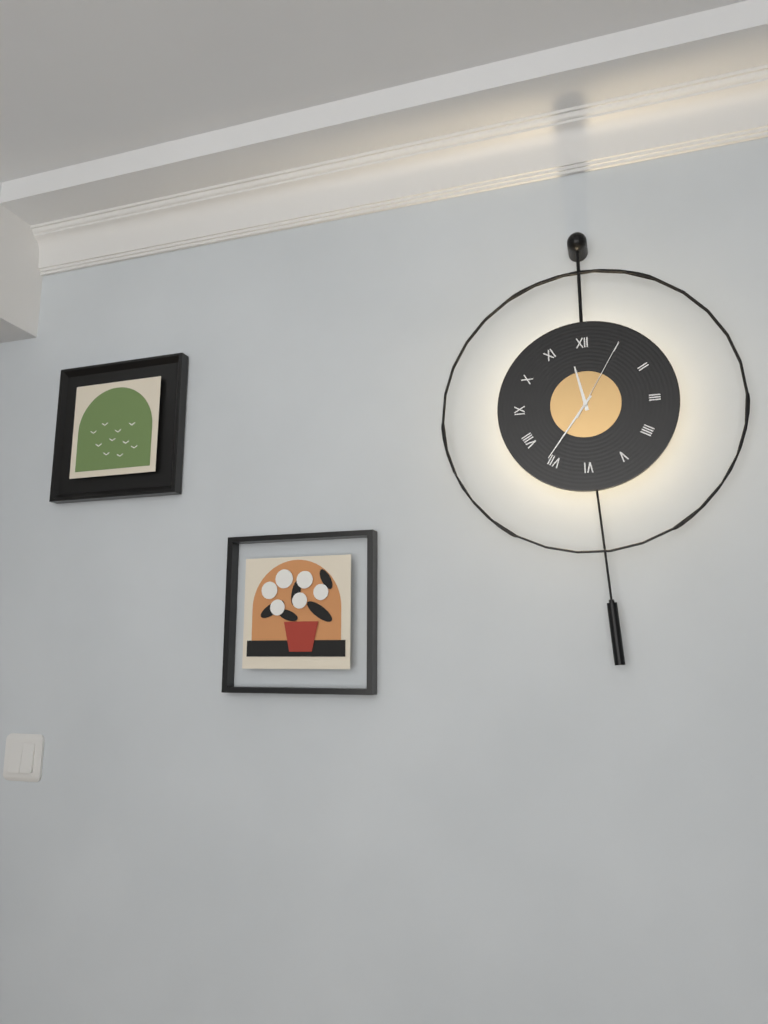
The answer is 11:36:05
